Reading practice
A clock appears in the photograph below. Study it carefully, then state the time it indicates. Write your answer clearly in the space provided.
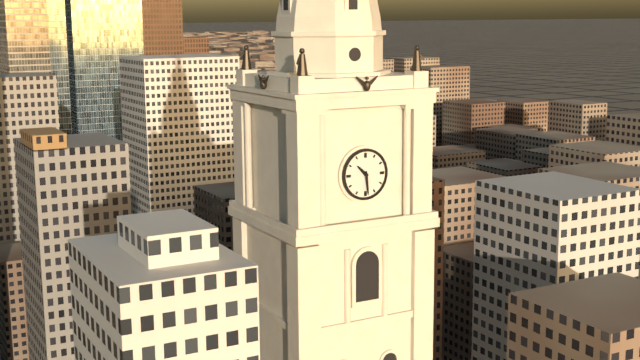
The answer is 10:29
